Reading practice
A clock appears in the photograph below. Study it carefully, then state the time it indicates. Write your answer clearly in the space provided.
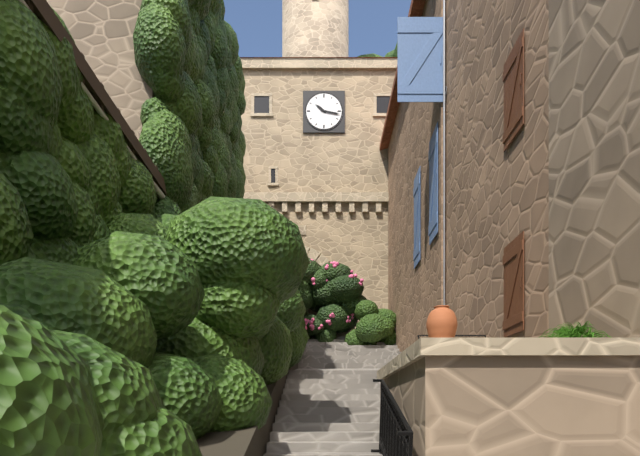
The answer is 10:17
